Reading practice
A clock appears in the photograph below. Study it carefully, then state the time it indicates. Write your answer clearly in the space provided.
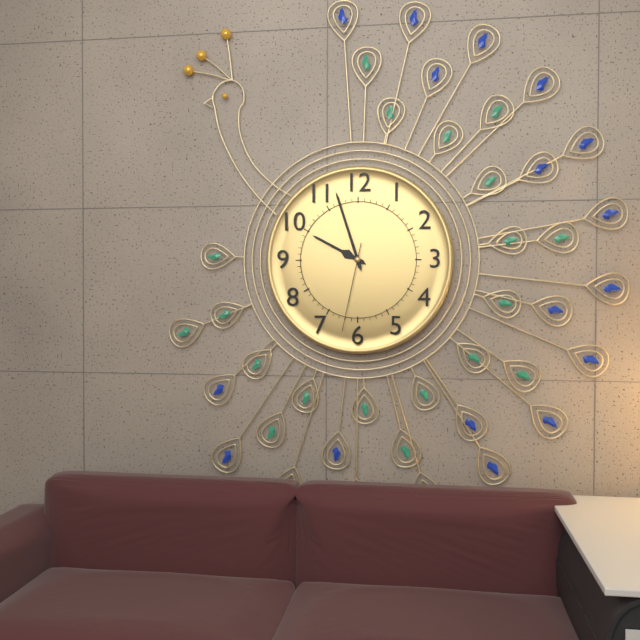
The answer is 9:57:32
